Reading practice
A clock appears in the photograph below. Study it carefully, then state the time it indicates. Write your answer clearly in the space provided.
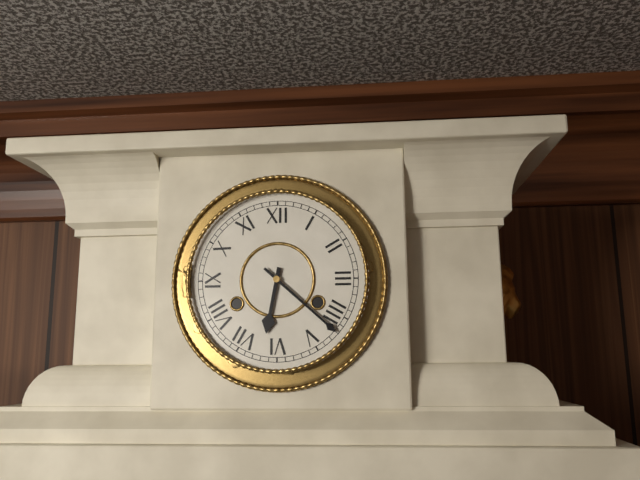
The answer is 6:22
